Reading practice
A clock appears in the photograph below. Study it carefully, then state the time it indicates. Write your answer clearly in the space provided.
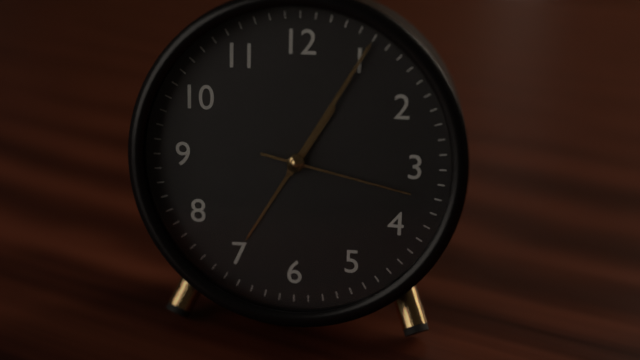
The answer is 1:05:17
